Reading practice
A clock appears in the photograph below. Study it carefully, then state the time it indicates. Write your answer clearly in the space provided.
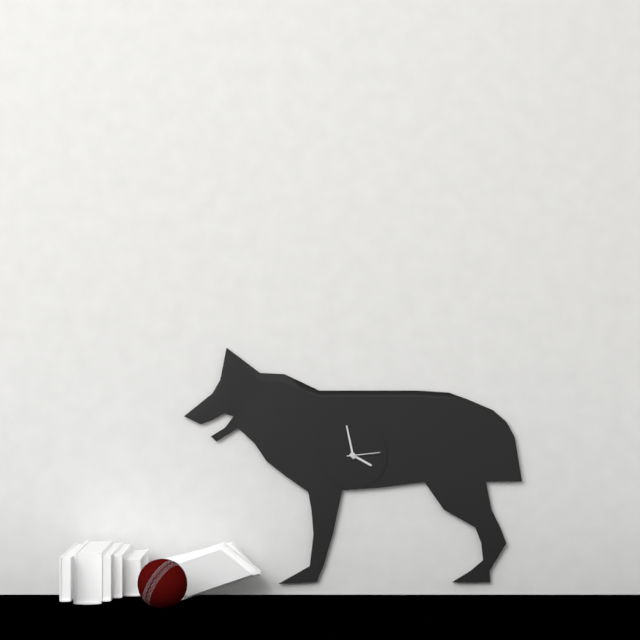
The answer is 3:58
